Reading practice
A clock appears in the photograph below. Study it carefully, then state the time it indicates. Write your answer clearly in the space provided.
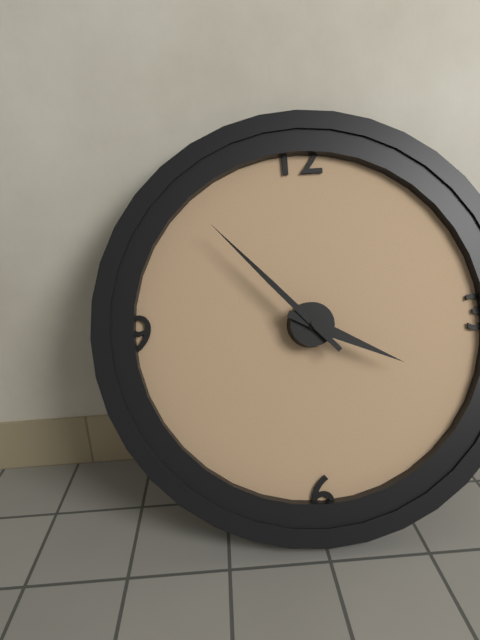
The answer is 3:53
